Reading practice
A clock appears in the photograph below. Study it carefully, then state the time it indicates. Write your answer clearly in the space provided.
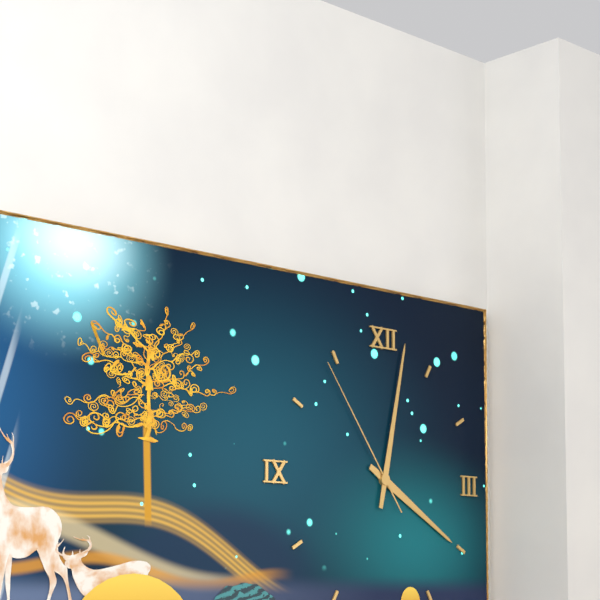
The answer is 4:02:54
